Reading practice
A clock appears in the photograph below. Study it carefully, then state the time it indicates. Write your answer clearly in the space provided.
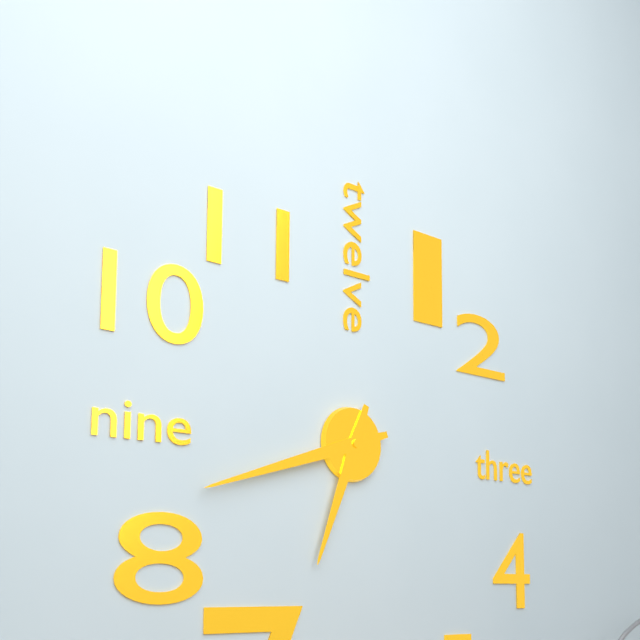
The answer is 6:42
